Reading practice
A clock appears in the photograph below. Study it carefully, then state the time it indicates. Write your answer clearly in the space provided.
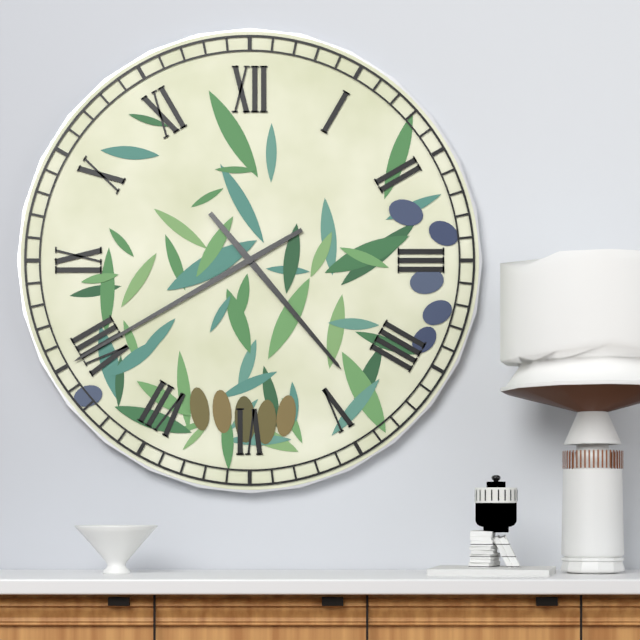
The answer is 4:40
